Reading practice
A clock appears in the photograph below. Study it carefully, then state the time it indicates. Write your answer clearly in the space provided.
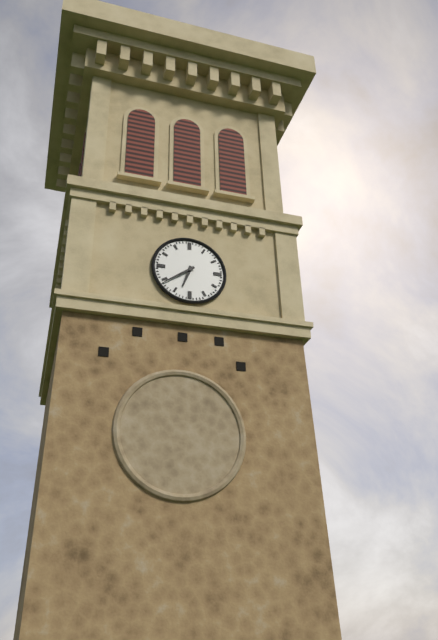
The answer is 6:39
